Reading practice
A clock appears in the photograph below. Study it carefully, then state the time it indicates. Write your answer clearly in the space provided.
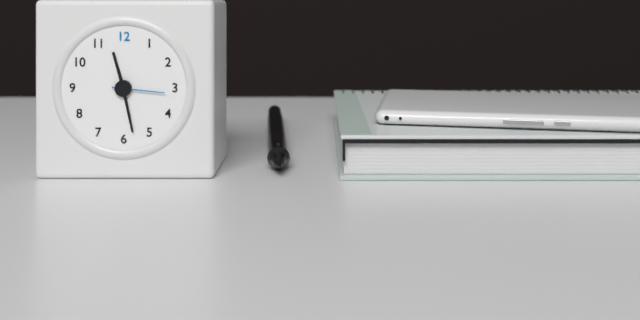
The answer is 11:28:16
